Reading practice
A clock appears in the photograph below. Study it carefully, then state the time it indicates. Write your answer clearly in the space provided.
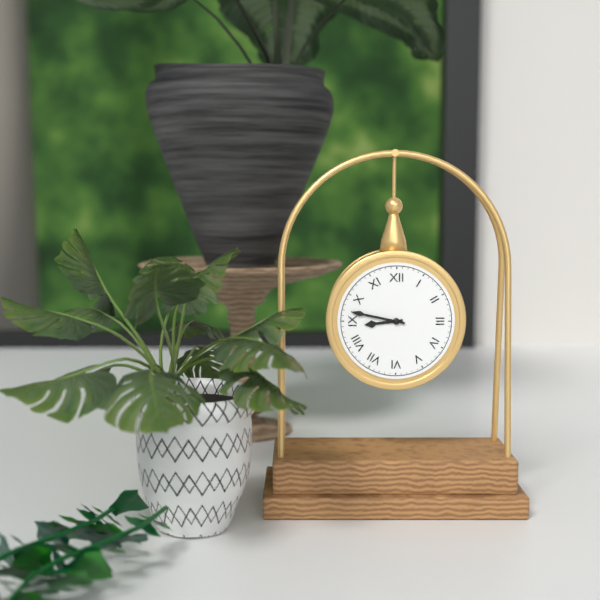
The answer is 8:47
